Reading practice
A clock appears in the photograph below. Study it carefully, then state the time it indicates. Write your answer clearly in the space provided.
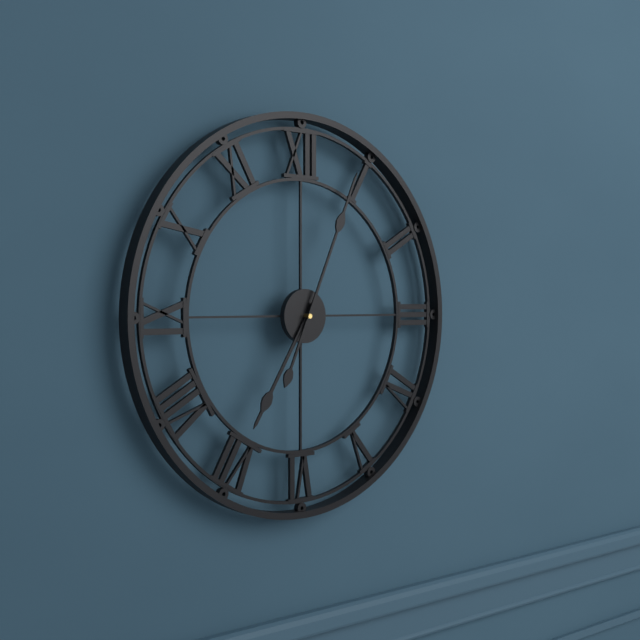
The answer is 7:04
